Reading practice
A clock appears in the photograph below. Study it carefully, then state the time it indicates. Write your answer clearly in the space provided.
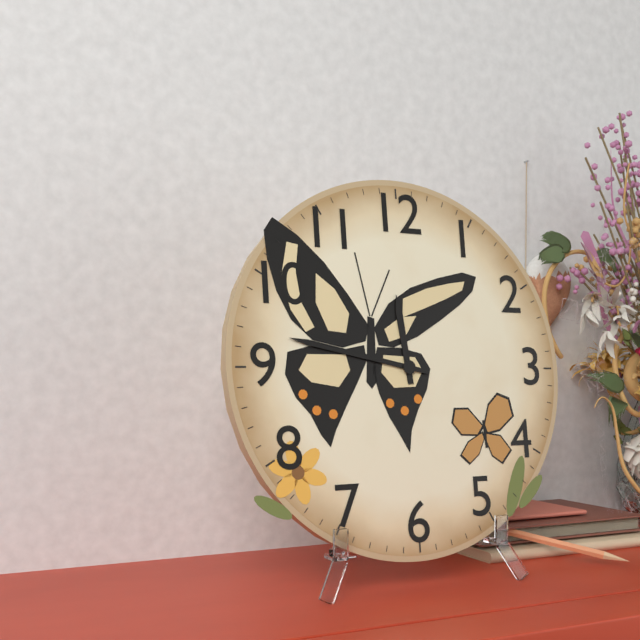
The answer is 11:47
